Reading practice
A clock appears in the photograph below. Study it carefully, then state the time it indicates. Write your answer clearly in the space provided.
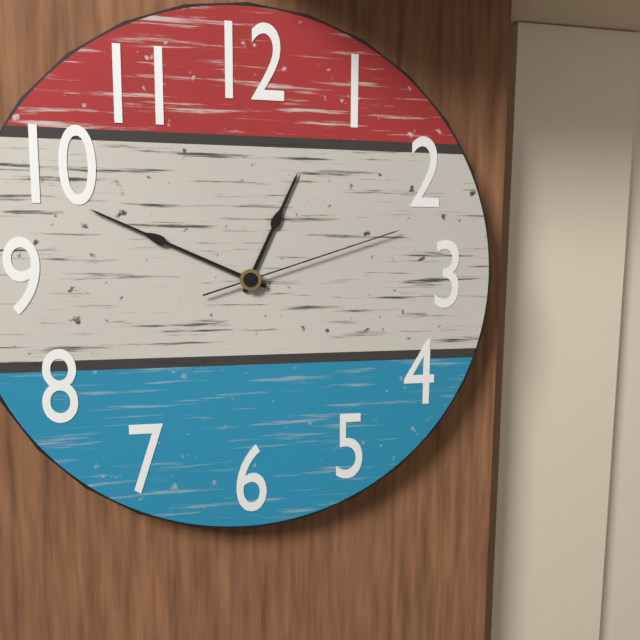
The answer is 12:49:12
